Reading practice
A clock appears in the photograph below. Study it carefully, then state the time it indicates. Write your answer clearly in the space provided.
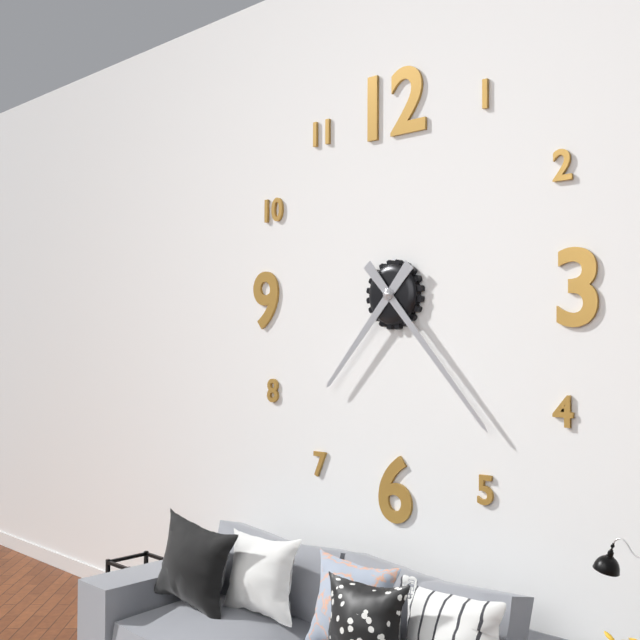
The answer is 7:23
